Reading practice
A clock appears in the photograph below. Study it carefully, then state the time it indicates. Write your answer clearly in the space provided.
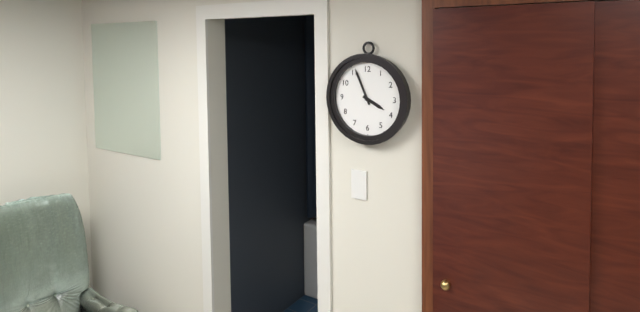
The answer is 3:56
